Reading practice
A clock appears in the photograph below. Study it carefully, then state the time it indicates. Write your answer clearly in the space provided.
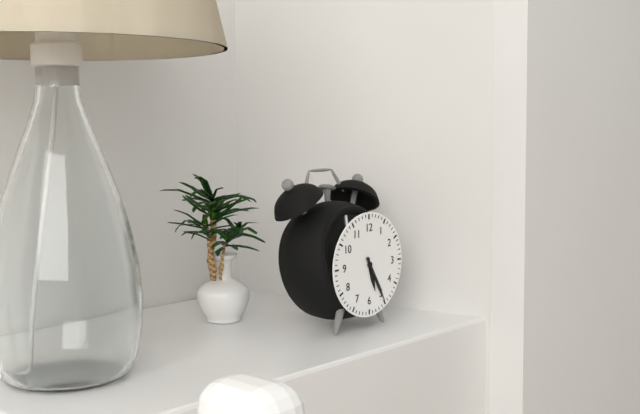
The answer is 5:25
